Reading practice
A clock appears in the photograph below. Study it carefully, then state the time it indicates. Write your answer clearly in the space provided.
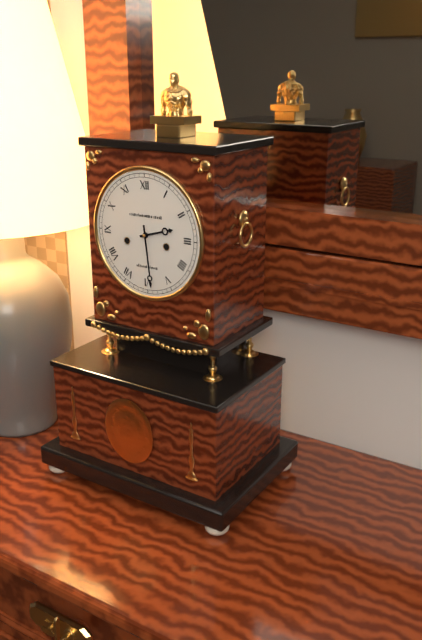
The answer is 2:29
